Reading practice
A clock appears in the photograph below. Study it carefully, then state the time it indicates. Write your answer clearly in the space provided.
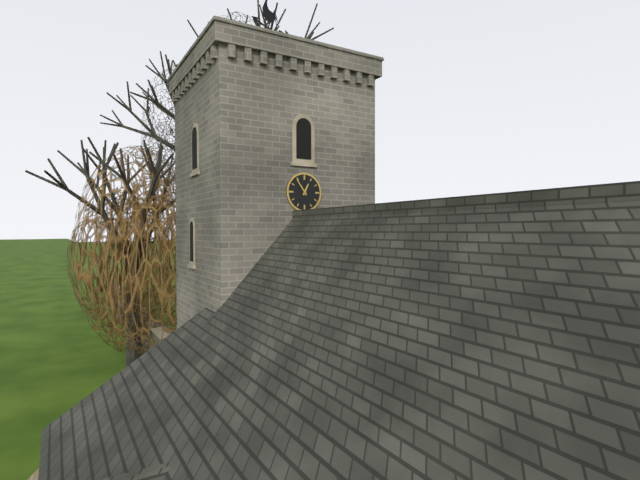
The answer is 12:54
